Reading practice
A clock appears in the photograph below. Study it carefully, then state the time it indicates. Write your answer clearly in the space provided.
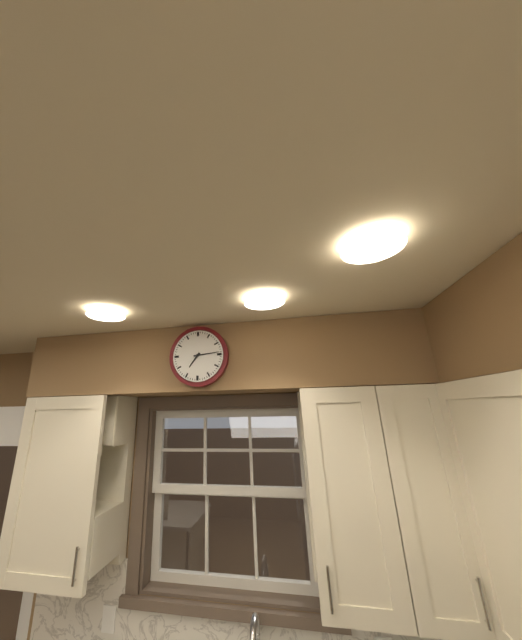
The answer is 7:14
